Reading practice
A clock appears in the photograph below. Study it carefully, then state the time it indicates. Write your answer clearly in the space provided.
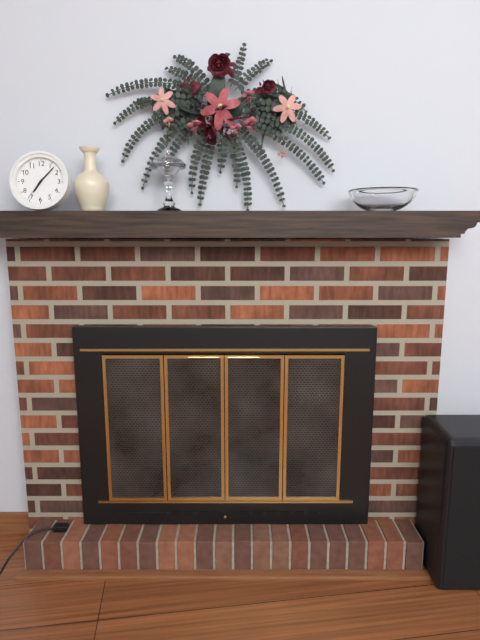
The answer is 7:07
